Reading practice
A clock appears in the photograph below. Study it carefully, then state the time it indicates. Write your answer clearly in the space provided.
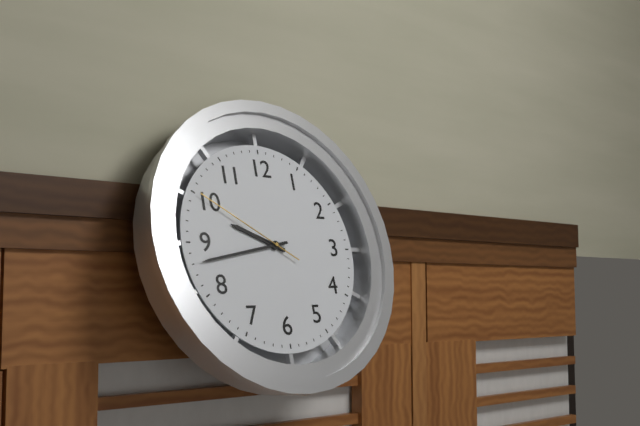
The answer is 9:43:50
